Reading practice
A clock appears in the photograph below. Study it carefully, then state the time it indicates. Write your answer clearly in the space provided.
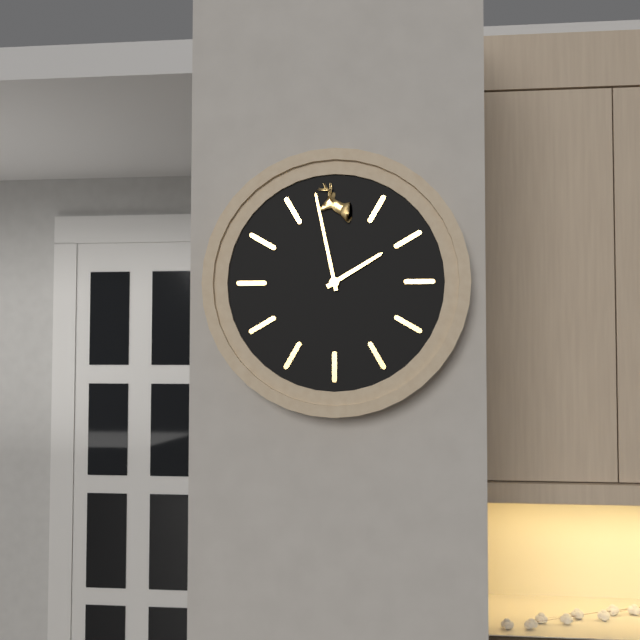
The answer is 1:58
